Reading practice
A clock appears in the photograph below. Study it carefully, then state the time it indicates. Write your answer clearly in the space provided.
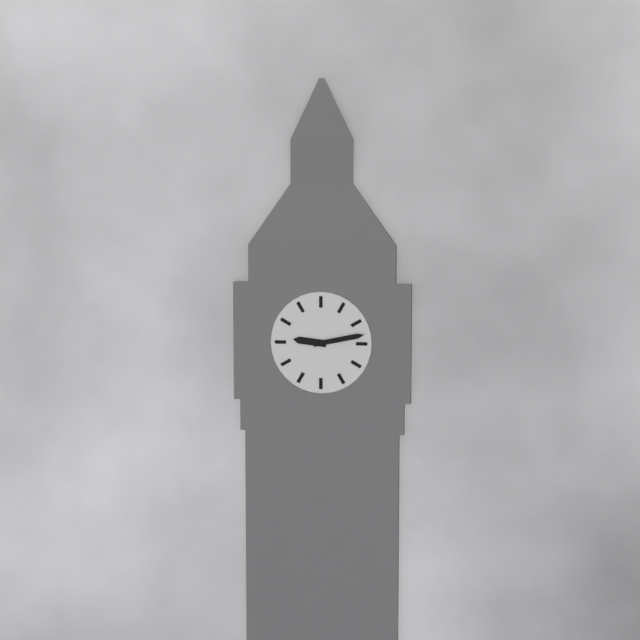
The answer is 9:13
